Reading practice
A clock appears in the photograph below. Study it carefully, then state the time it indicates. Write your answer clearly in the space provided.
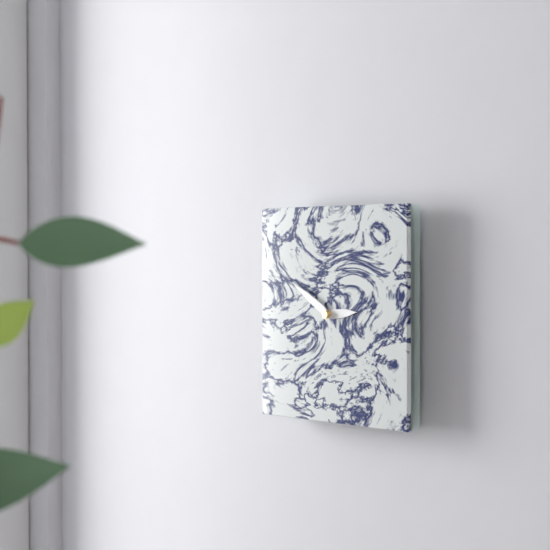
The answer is 2:50
